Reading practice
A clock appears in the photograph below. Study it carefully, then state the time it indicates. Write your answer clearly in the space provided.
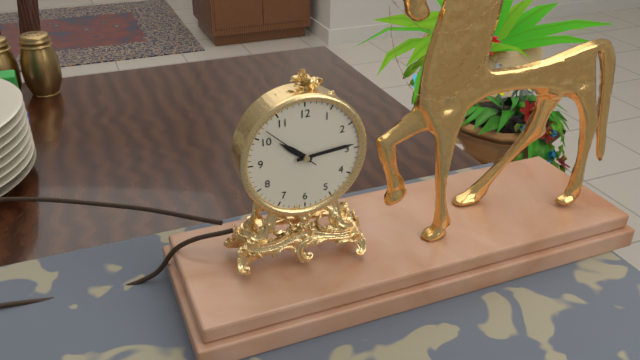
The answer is 10:14:52
